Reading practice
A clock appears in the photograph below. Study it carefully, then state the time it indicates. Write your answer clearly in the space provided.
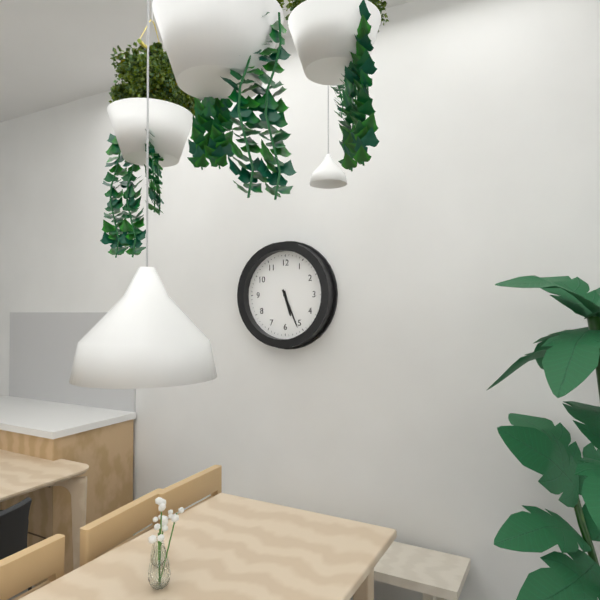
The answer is 5:26
